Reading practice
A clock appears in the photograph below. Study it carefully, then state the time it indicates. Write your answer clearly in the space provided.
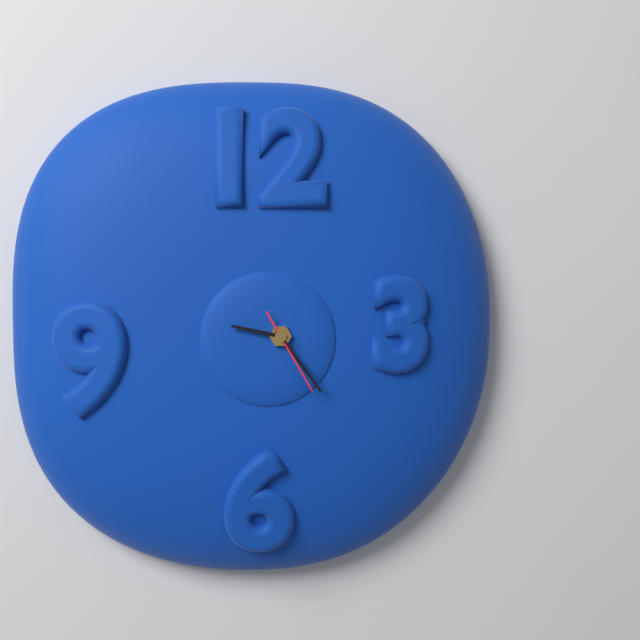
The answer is 9:24:25
